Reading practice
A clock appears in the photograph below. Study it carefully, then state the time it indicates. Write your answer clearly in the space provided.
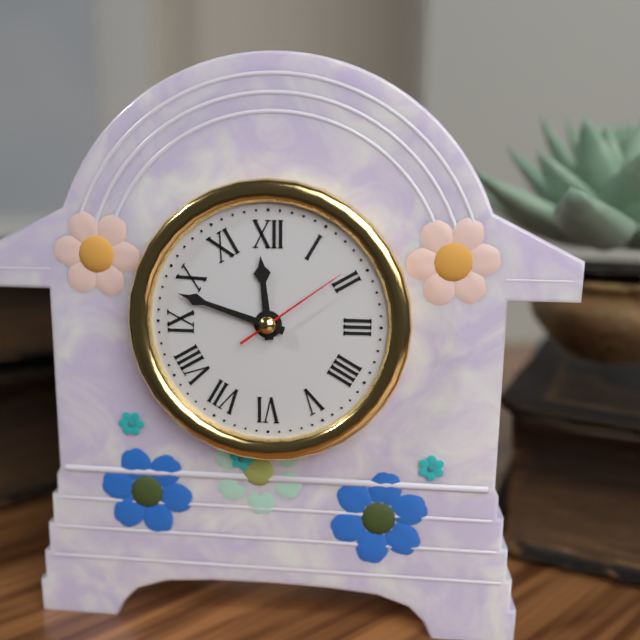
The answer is 11:48:09
